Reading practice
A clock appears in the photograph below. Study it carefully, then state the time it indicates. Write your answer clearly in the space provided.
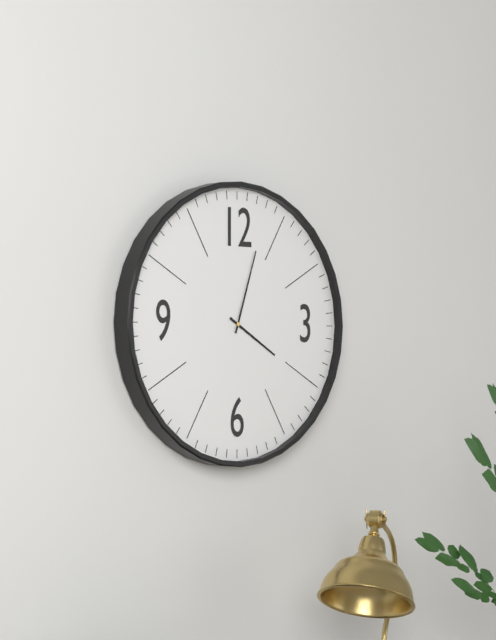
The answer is 4:03
